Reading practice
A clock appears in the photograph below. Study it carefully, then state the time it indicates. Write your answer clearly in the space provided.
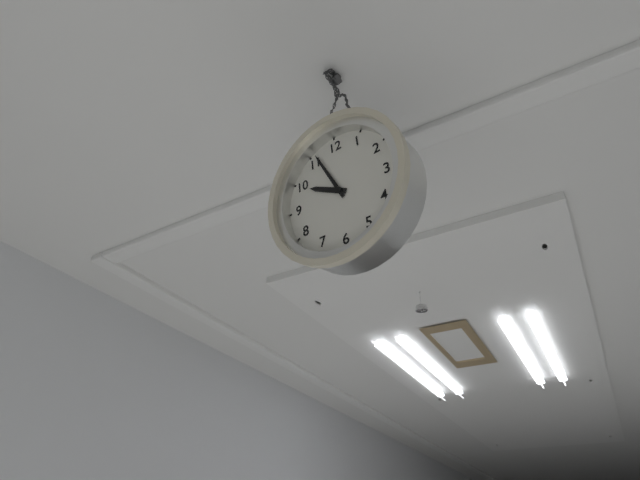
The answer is 9:56
